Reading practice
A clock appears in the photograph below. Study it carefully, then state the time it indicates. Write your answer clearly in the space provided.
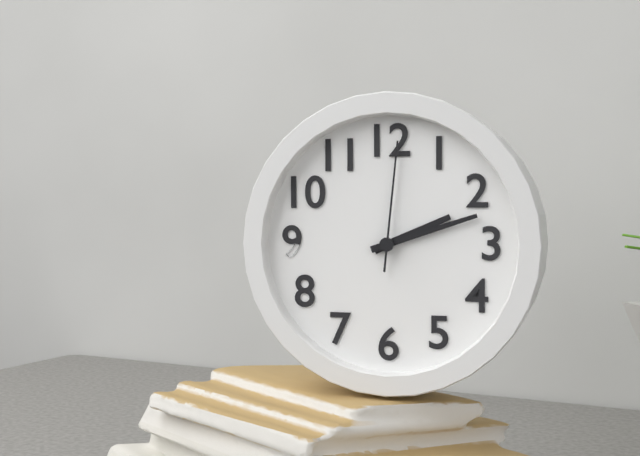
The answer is 2:12:01
